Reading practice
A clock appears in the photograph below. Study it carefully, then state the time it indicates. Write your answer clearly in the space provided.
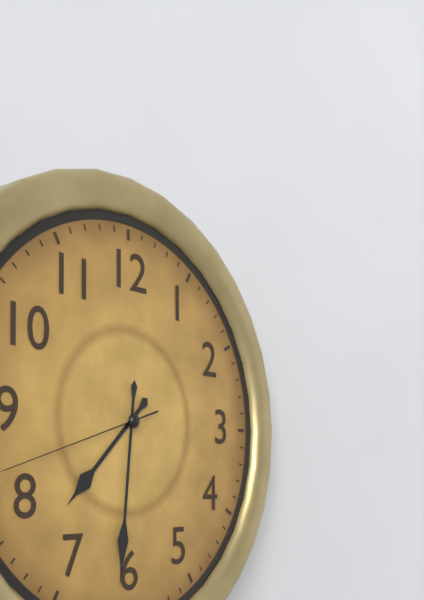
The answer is 7:31
